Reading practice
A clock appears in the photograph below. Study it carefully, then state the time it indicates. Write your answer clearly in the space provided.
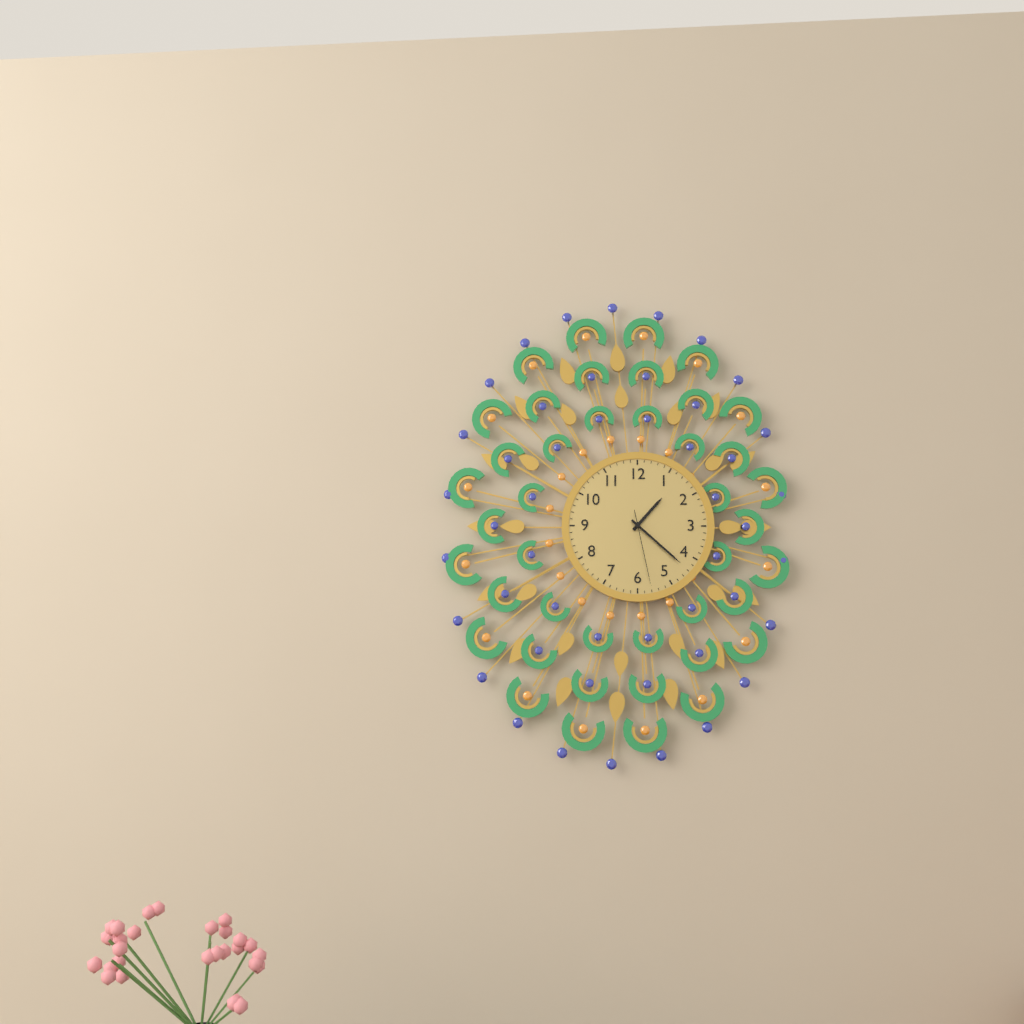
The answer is 1:22:28
